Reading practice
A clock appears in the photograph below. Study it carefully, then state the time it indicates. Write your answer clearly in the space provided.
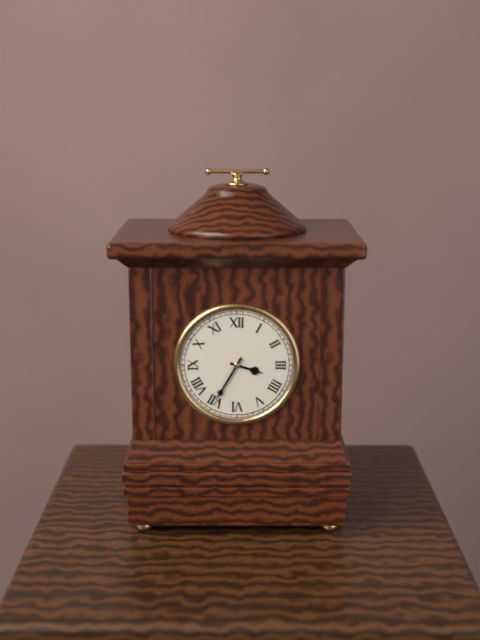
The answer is 3:35
